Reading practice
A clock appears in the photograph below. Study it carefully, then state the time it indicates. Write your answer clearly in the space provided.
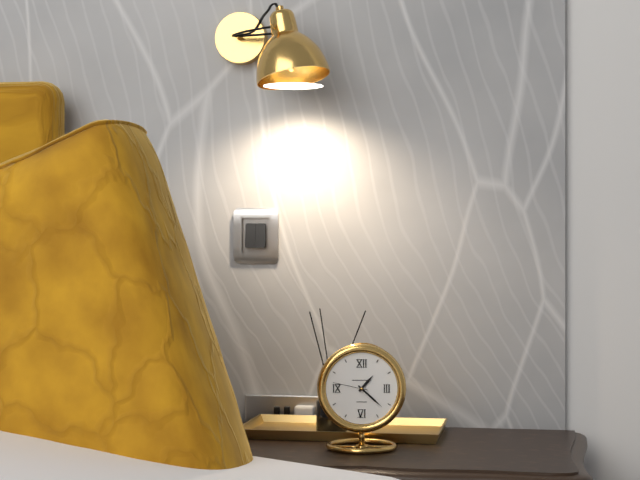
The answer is 1:22
